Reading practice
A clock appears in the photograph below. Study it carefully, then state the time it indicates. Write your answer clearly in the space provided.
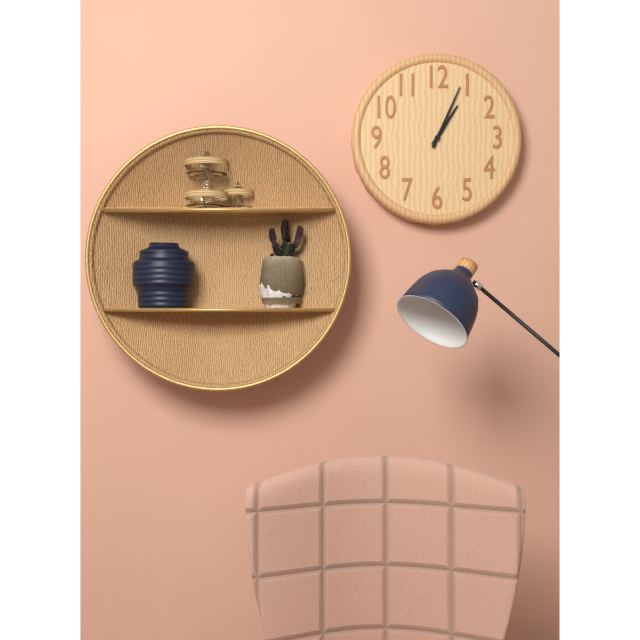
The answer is 1:04
